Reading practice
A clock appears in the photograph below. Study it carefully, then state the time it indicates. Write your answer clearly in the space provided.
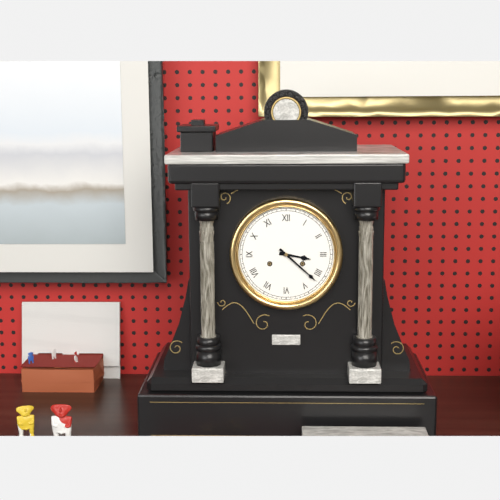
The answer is 3:22
